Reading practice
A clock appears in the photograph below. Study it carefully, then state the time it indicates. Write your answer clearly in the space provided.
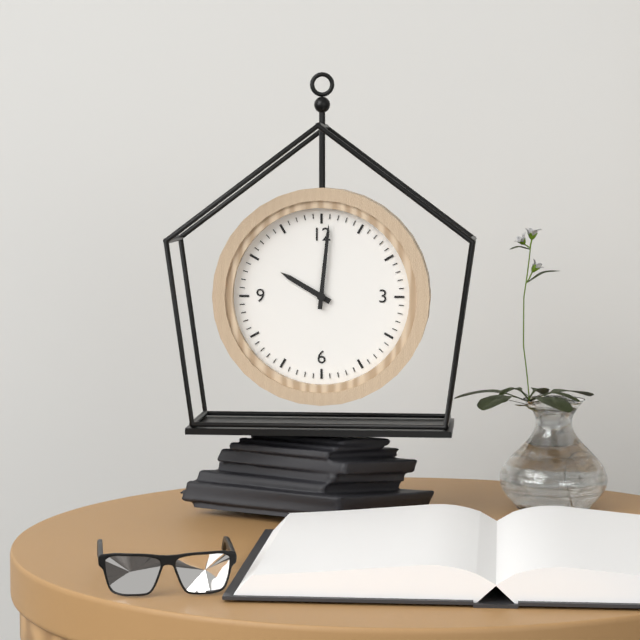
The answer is 10:01
